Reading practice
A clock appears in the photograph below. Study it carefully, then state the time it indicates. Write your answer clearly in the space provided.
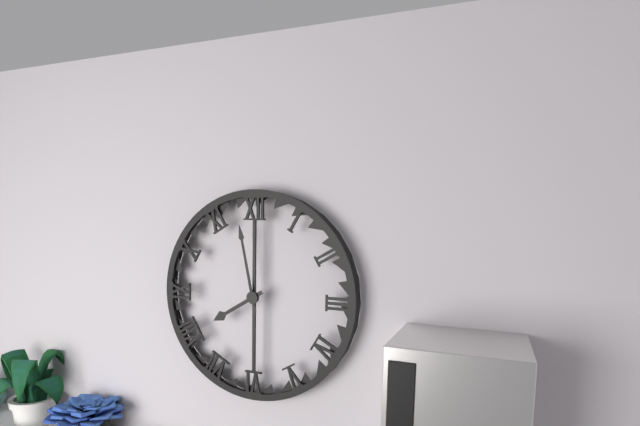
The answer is 7:58
